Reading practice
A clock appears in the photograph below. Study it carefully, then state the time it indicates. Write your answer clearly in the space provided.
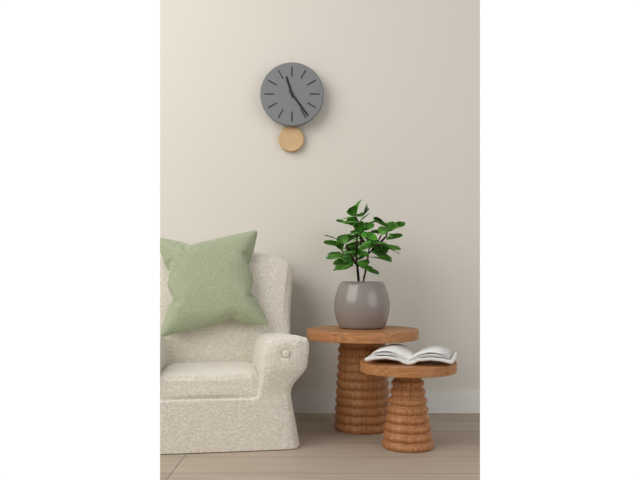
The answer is 11:24
